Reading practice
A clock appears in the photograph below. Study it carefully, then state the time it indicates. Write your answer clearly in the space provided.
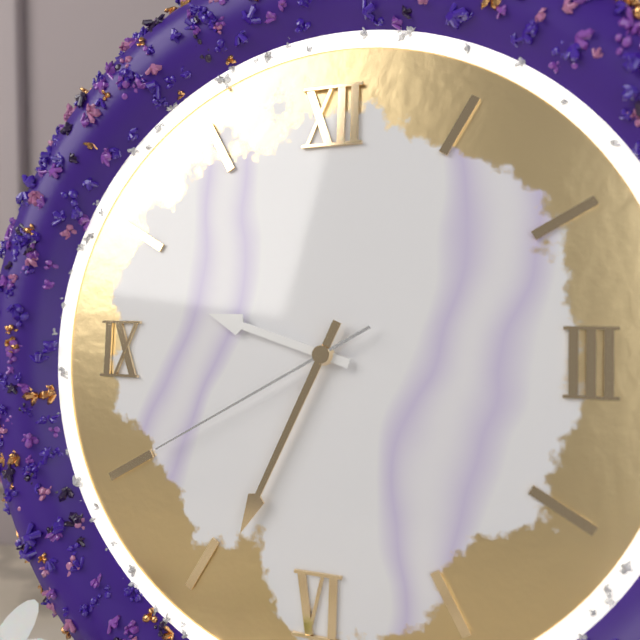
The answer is 9:34:40
